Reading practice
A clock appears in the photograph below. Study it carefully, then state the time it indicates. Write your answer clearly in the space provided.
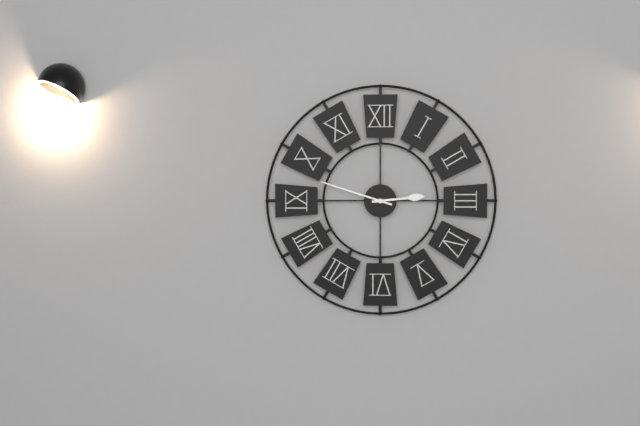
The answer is 2:48
